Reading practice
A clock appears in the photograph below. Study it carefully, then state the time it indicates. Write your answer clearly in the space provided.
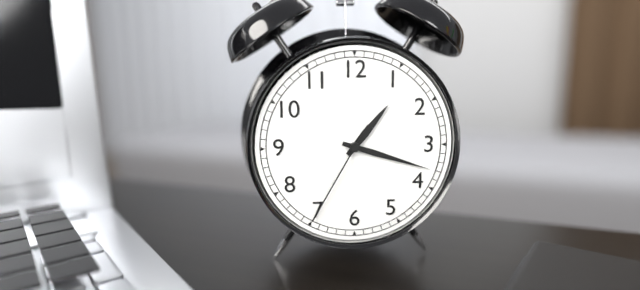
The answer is 1:18:35
